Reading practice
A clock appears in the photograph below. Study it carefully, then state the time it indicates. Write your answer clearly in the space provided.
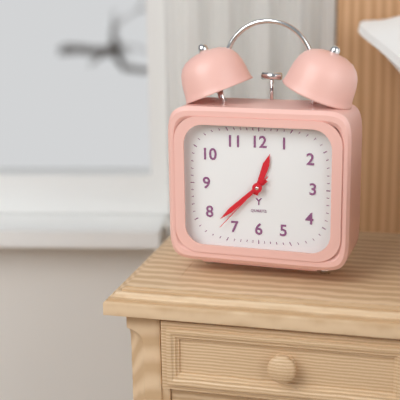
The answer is 12:38:37
